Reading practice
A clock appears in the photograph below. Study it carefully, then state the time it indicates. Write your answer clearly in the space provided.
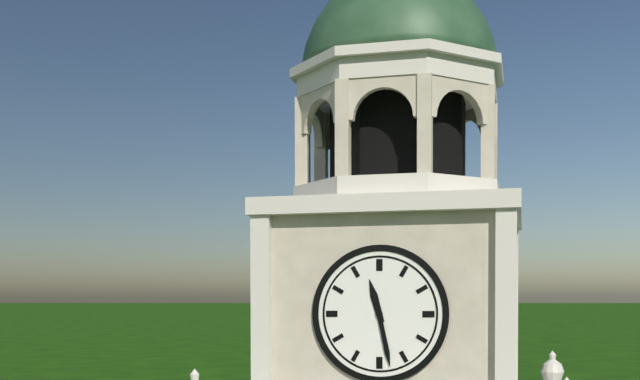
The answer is 11:28
